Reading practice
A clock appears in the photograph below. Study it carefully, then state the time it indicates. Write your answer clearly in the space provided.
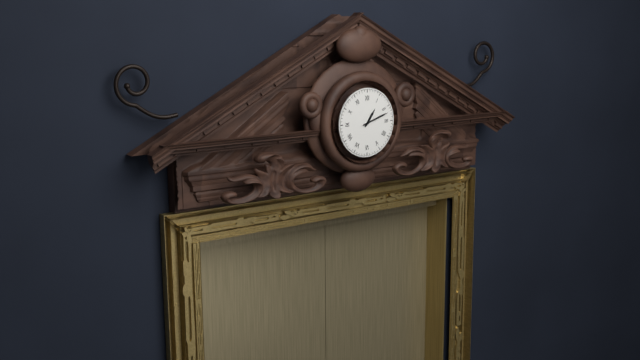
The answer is 1:12
